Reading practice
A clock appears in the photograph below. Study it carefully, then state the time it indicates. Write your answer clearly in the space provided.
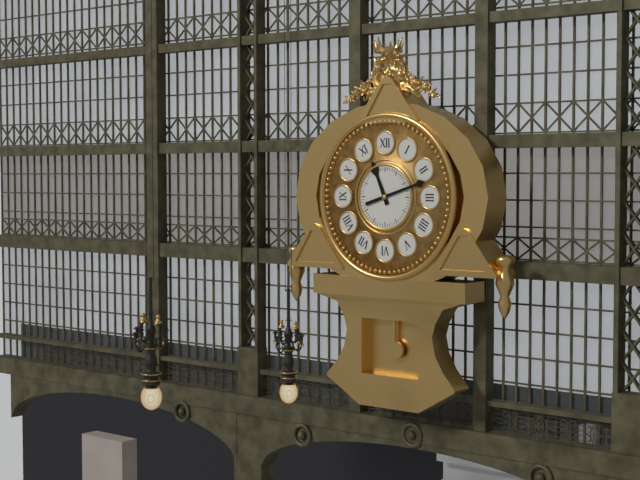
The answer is 11:12
